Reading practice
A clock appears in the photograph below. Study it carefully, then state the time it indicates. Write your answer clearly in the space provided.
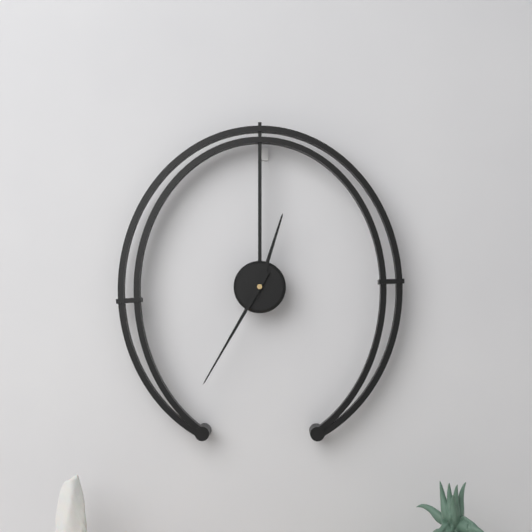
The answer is 12:35
